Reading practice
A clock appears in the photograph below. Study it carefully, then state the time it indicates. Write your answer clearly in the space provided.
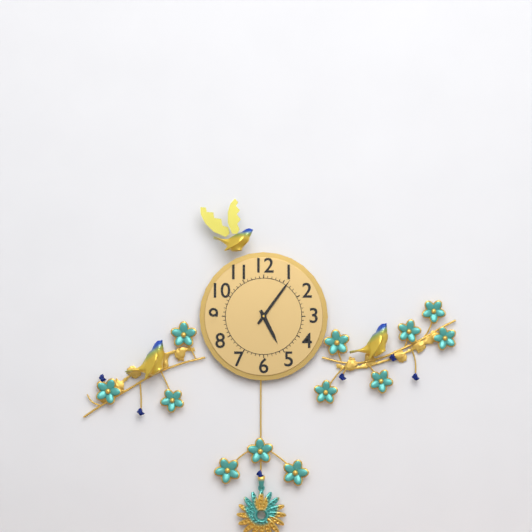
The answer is 5:06
